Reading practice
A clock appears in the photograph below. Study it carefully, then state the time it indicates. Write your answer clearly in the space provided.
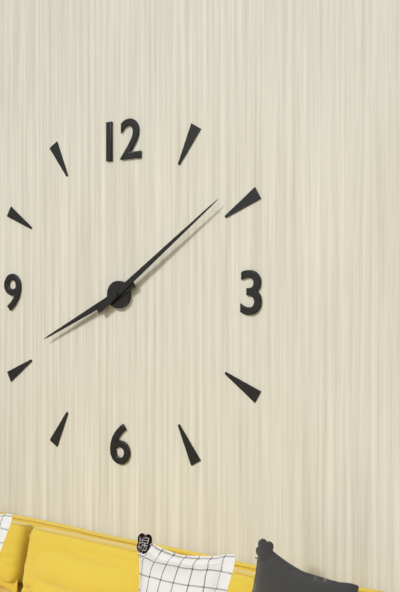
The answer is 8:09
